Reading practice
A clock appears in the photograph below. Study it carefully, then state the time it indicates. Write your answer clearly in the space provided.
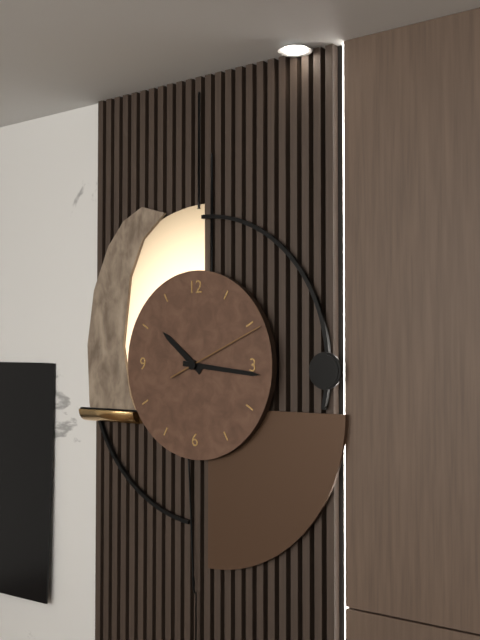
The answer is 10:16:11
